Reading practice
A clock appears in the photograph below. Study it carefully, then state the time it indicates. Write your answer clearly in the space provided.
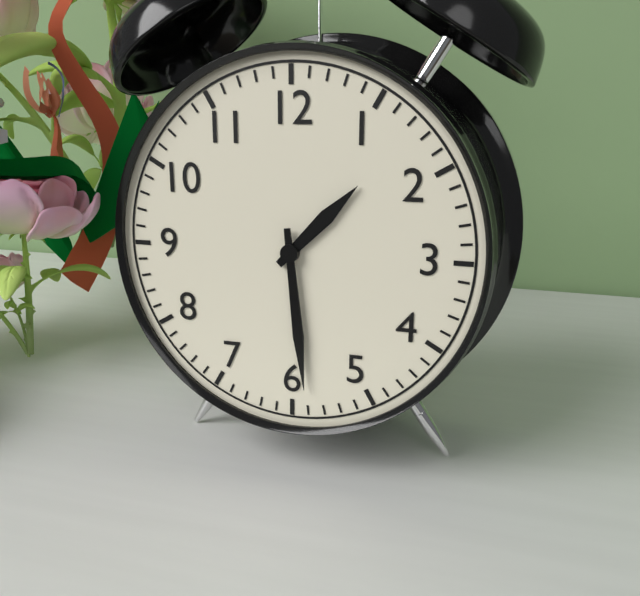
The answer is 1:29
